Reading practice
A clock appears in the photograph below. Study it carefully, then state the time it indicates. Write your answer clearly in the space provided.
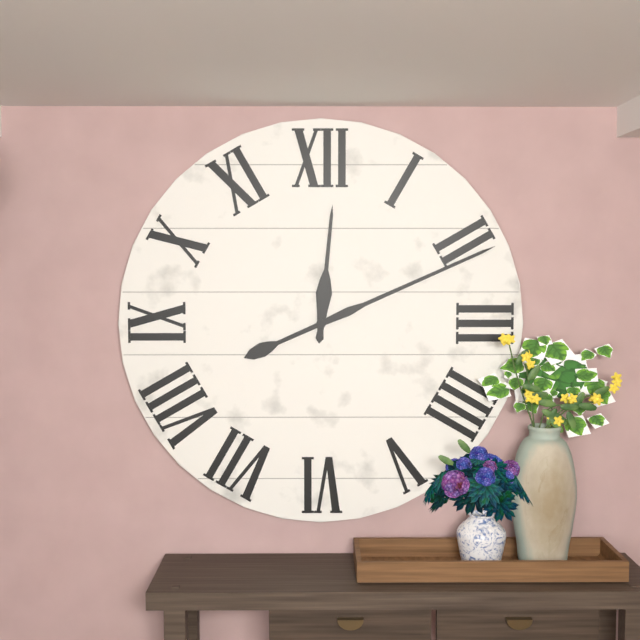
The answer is 12:11
